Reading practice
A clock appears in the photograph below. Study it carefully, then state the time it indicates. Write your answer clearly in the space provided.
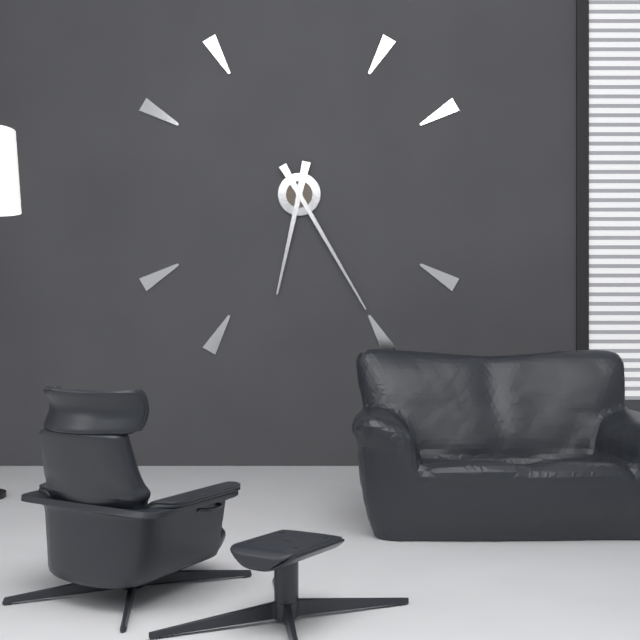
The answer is 6:25
